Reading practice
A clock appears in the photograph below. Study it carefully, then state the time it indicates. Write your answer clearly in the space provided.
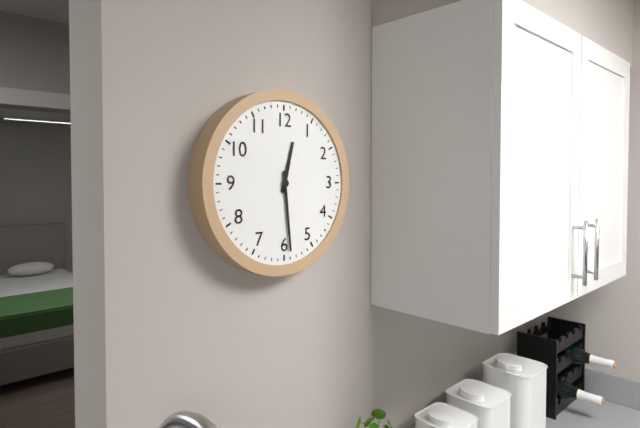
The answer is 12:29
